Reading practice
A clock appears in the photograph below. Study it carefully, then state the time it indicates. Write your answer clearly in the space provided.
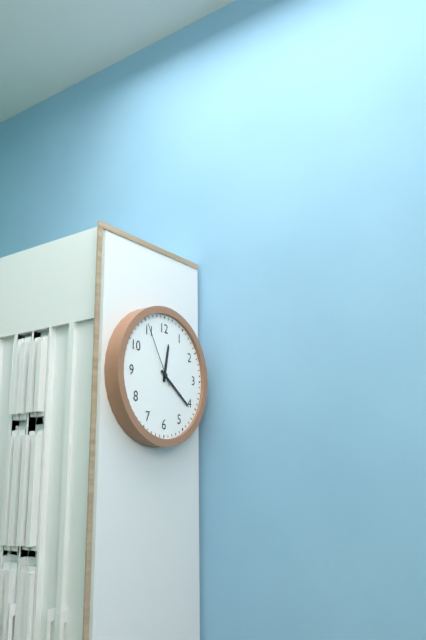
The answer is 12:21:55
